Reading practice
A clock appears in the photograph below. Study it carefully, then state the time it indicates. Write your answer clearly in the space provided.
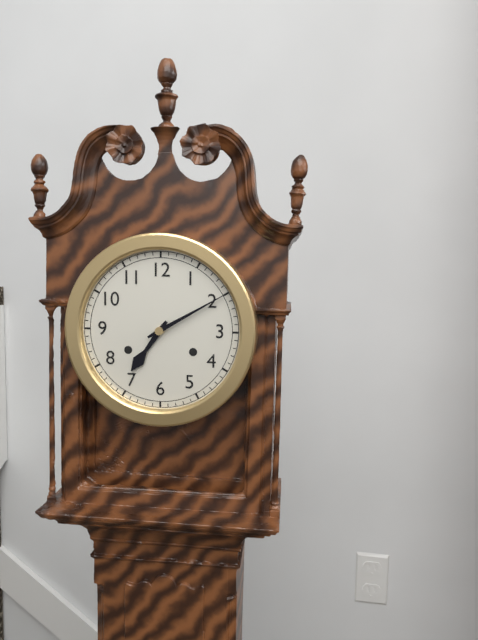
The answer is 7:10
